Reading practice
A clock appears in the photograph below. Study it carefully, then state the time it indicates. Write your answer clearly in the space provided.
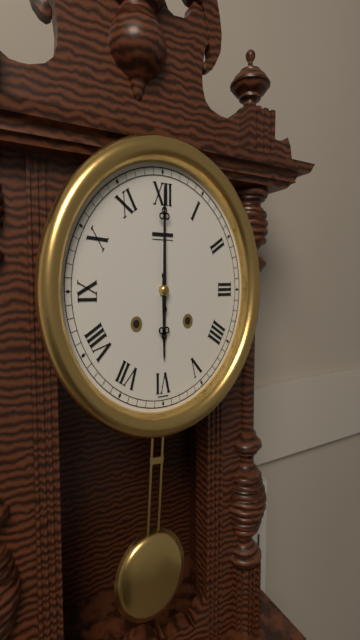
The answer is 6:00
